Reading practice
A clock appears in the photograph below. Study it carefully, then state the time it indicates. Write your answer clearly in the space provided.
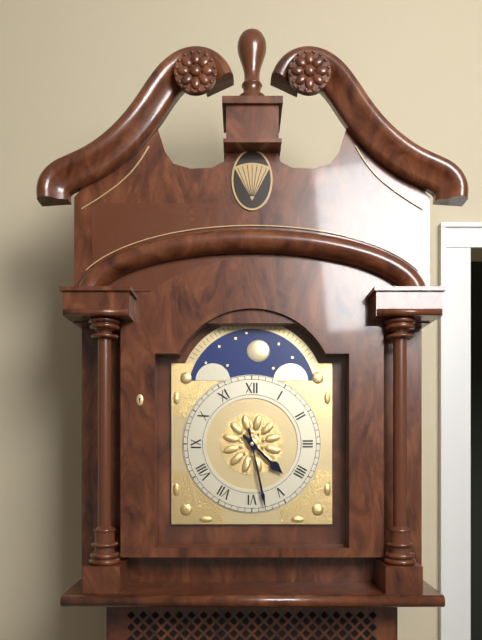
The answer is 4:28
